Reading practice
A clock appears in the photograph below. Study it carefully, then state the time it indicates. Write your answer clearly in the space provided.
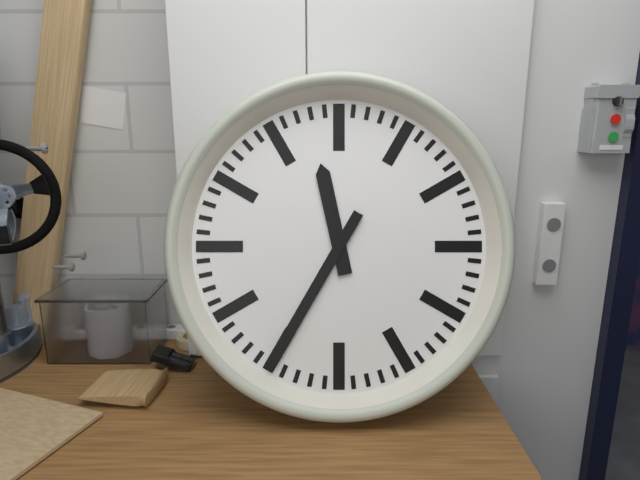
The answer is 11:35
